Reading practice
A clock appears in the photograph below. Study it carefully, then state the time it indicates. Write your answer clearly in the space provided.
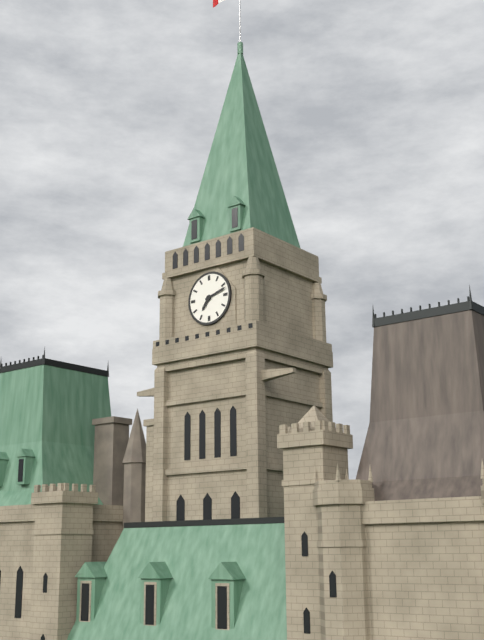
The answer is 7:12
